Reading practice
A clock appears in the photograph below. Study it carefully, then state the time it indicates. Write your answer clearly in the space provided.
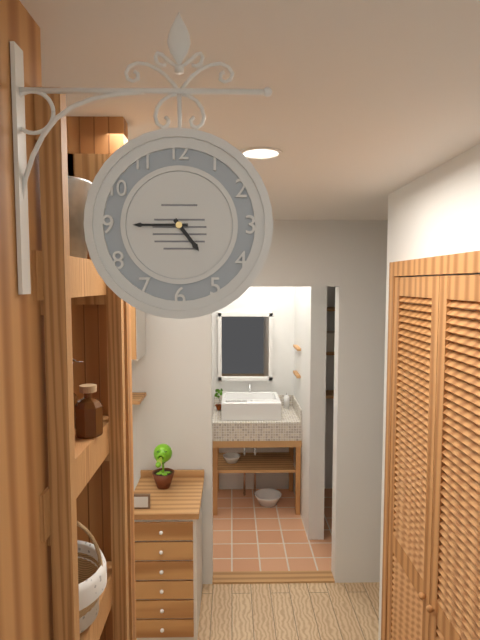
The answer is 4:45
